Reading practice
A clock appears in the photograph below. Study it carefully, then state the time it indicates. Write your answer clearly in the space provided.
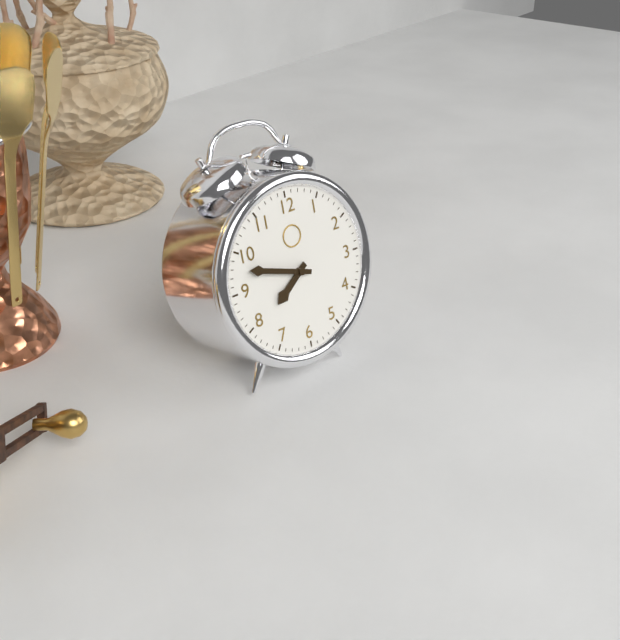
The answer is 7:48
